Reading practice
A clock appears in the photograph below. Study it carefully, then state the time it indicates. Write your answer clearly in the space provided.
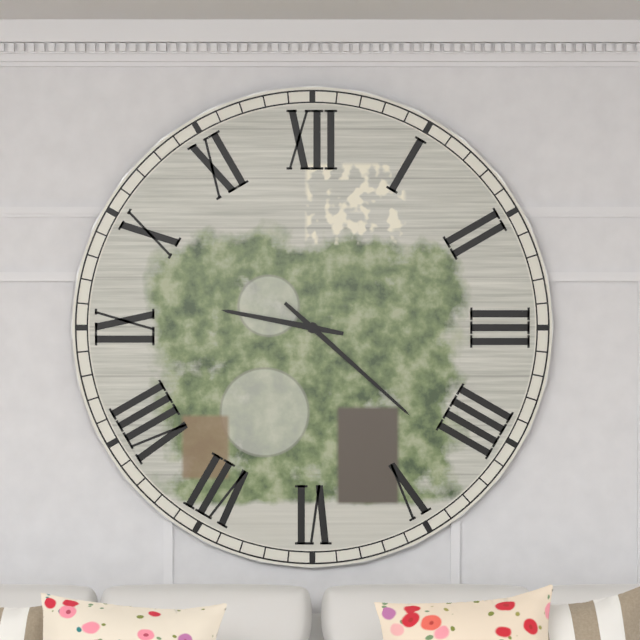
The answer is 9:22
